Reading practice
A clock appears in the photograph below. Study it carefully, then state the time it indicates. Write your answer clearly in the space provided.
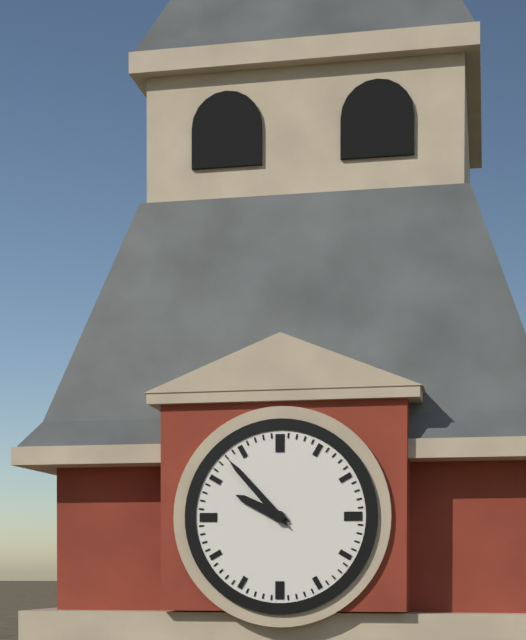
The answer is 9:53
